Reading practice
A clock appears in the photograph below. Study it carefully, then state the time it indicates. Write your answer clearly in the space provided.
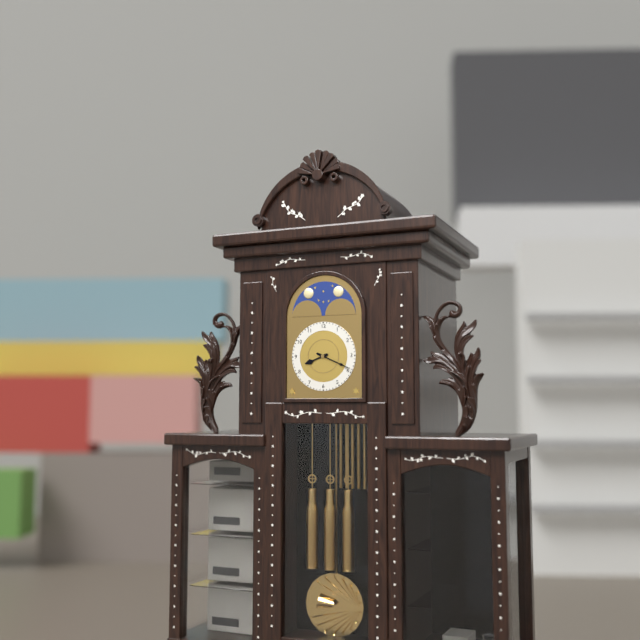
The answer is 8:19
